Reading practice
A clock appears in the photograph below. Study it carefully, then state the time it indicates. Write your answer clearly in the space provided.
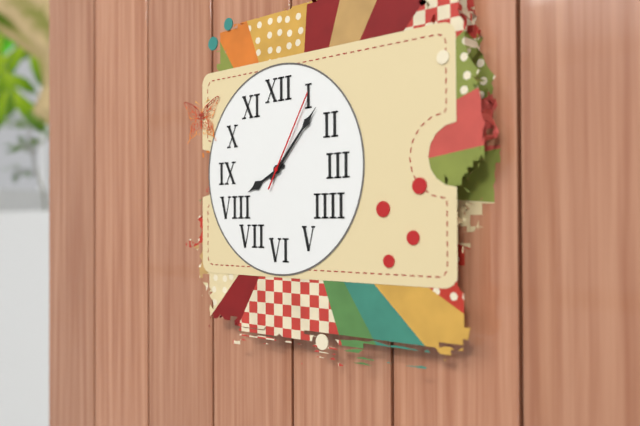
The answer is 8:07:05
